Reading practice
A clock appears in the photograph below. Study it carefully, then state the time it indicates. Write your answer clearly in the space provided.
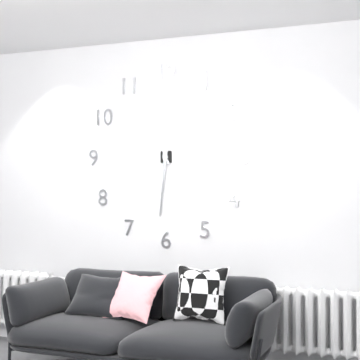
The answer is 11:31
